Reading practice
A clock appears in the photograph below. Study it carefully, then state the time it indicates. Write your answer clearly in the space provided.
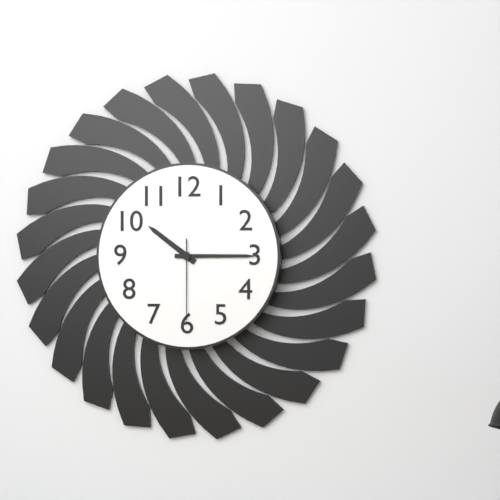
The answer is 10:15:30
